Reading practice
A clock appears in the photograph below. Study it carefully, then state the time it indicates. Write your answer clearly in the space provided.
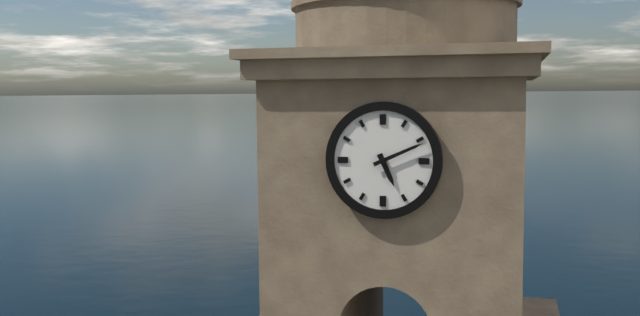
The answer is 5:11
